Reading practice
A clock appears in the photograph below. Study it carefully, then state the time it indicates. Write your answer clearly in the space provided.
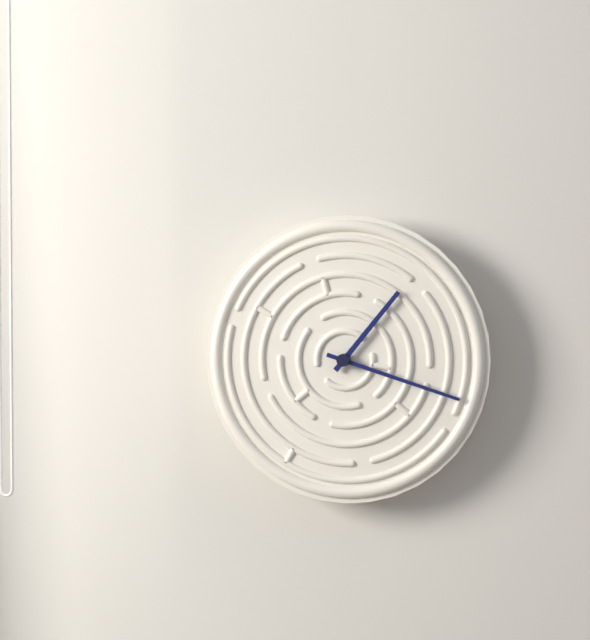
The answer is 1:18
